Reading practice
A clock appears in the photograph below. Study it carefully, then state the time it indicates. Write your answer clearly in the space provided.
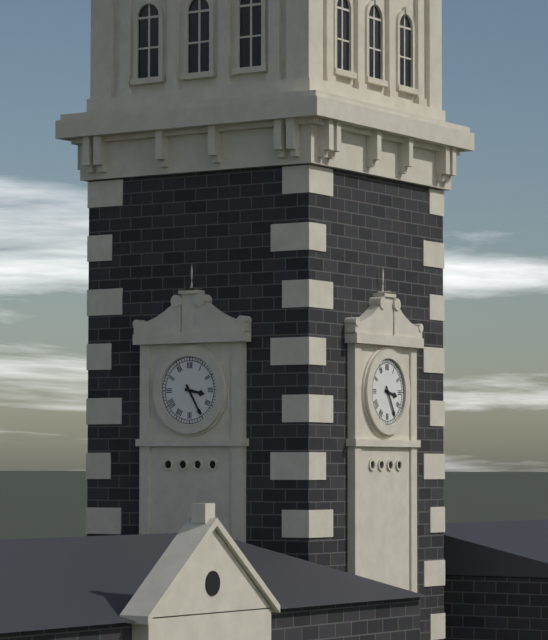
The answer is 3:25
